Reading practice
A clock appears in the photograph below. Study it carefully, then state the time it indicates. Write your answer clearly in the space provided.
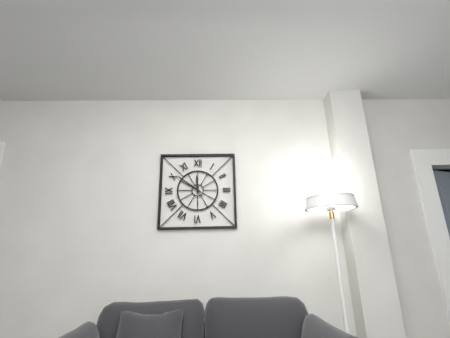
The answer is 11:51
